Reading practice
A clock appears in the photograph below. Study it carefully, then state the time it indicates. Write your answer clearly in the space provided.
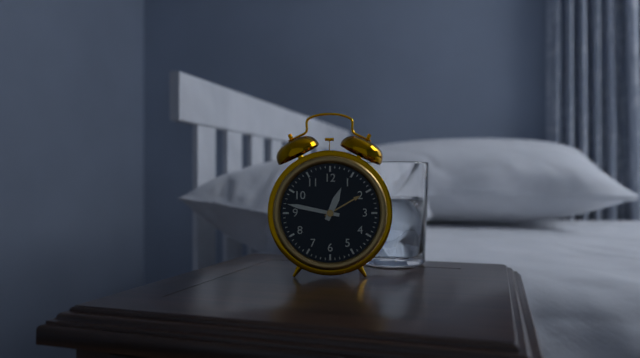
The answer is 12:47
